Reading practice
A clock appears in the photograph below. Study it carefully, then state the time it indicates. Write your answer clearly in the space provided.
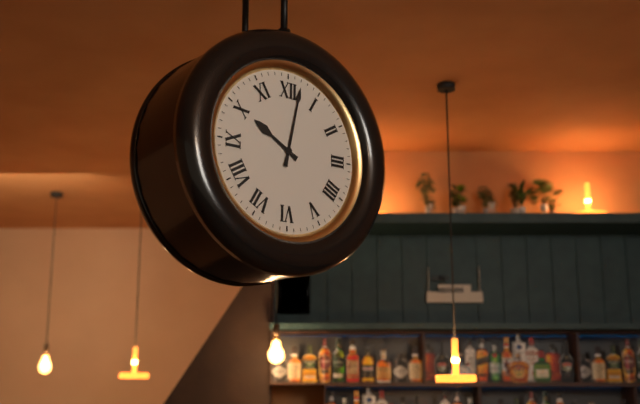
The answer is 10:02
